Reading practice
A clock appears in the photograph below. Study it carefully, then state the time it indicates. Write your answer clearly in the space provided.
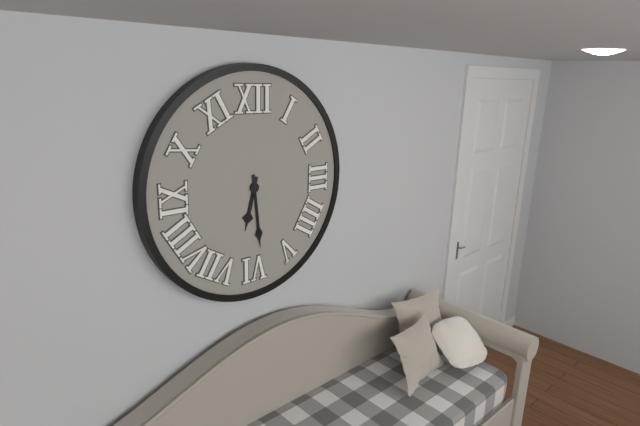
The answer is 6:29
